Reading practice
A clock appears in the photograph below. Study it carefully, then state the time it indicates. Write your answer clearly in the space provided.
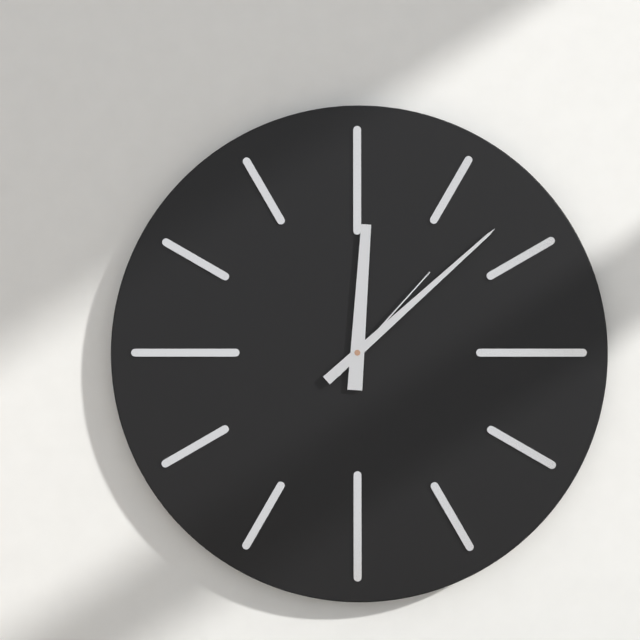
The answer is 12:08:07
